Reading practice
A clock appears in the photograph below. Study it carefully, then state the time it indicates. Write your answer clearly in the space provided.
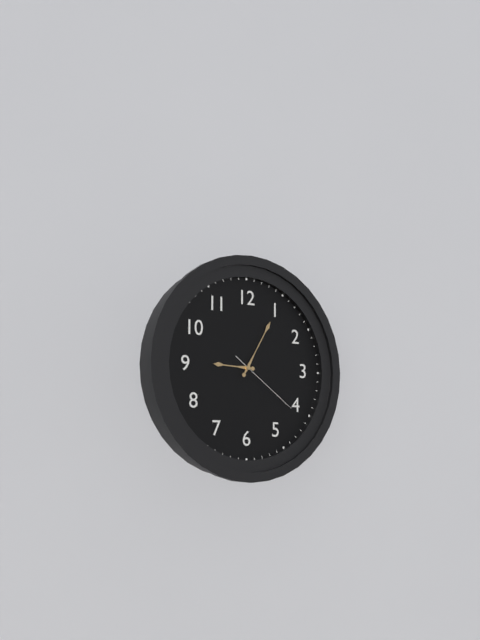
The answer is 9:05:21
